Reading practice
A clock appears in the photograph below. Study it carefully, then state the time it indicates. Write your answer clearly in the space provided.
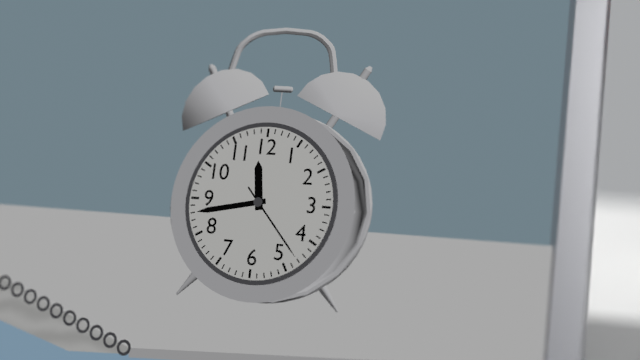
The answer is 11:43:23
